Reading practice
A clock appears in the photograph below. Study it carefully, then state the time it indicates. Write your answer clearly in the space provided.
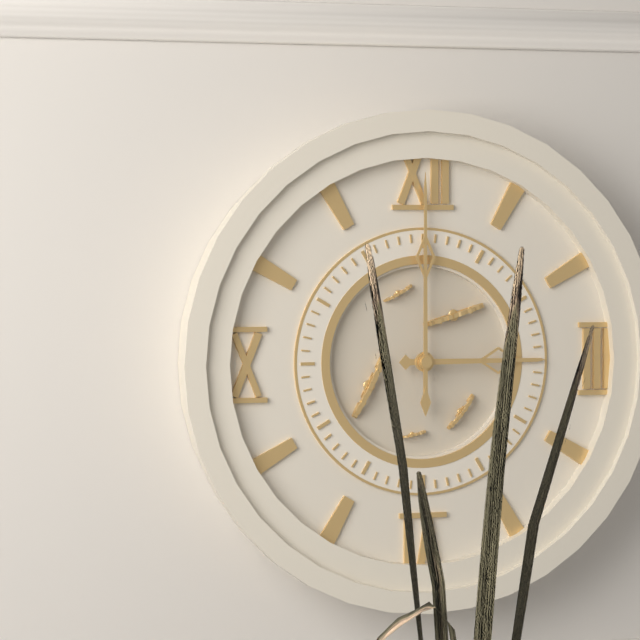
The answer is 3:00
